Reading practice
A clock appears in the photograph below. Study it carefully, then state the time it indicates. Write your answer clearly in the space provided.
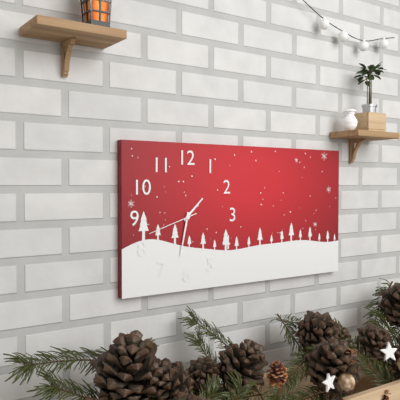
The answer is 1:32:42
